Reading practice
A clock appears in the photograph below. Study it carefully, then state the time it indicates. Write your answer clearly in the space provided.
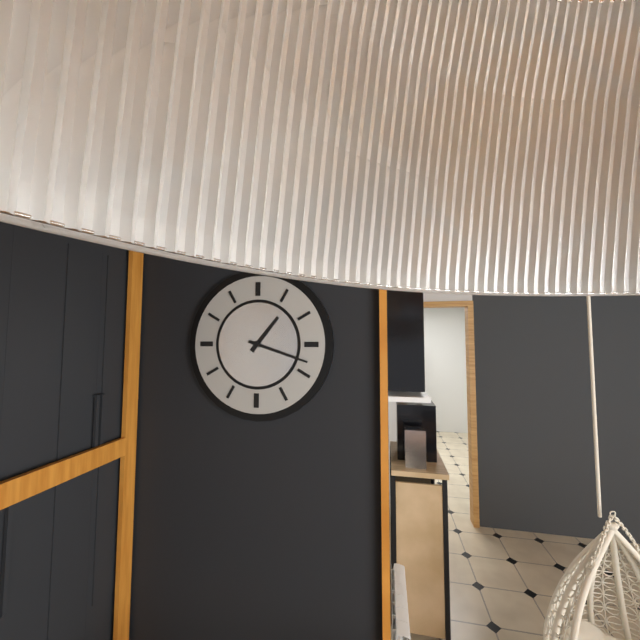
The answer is 1:18
